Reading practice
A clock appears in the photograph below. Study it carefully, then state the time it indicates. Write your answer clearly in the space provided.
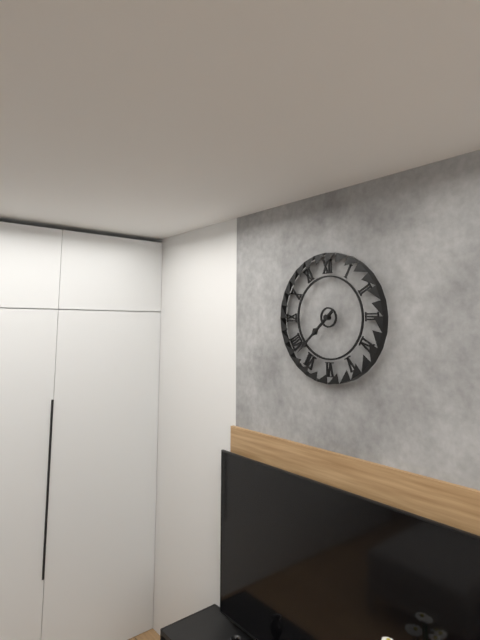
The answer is 7:38
